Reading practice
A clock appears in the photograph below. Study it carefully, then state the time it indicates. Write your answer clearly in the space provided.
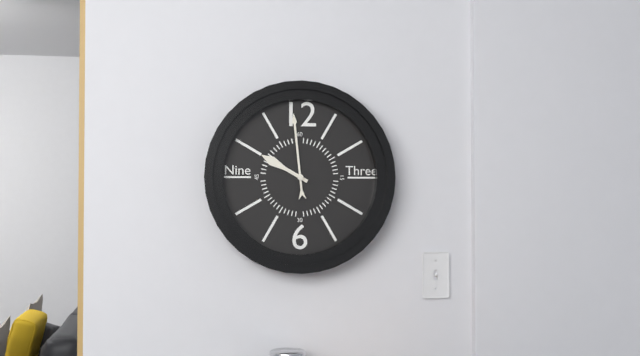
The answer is 9:59
